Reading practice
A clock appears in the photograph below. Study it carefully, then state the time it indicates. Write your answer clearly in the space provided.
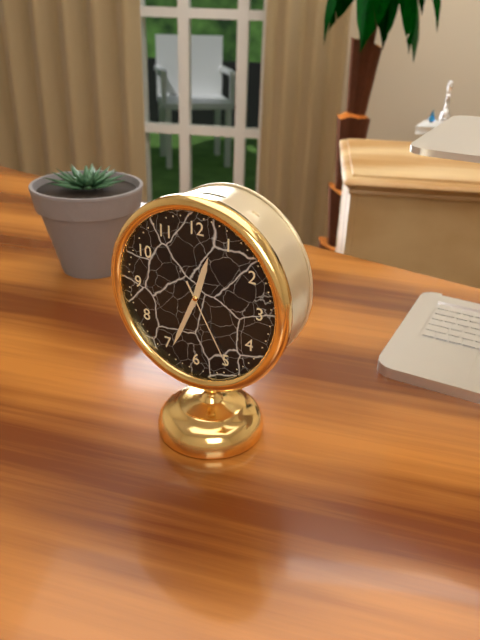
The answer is 12:34:25
